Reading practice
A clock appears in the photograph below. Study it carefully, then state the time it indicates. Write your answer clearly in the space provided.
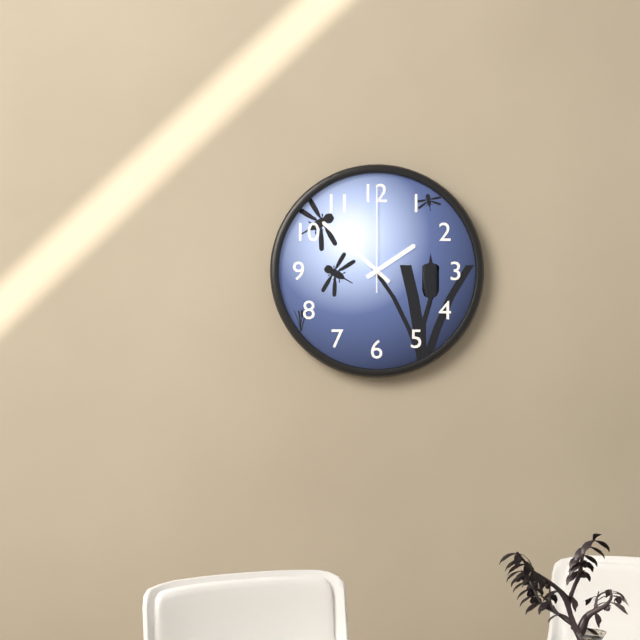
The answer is 1:52:00
